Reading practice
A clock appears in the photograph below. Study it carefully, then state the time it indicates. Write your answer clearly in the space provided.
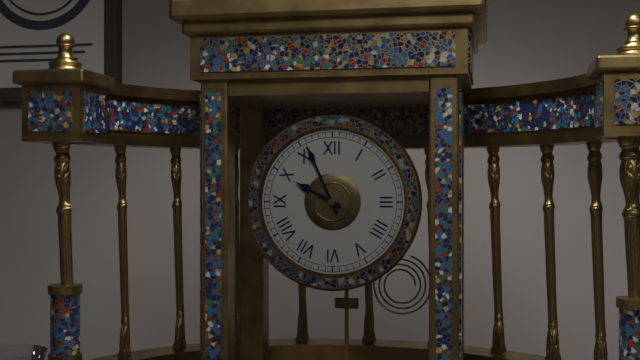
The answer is 9:56
